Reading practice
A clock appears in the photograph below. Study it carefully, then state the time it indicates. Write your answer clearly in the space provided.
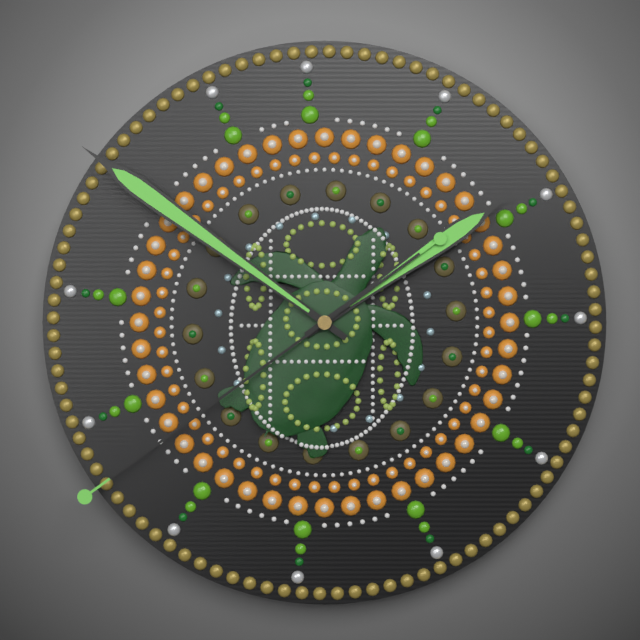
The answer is 1:51:39
